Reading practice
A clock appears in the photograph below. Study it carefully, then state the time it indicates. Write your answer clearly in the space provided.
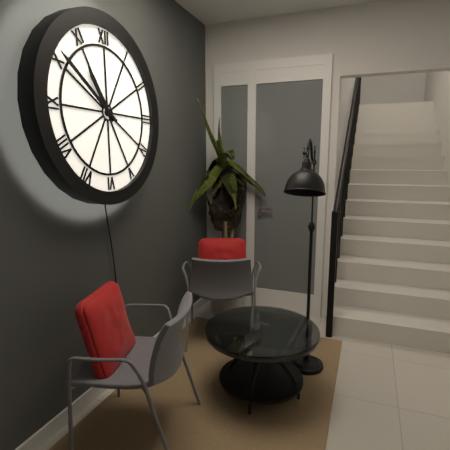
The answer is 10:51
